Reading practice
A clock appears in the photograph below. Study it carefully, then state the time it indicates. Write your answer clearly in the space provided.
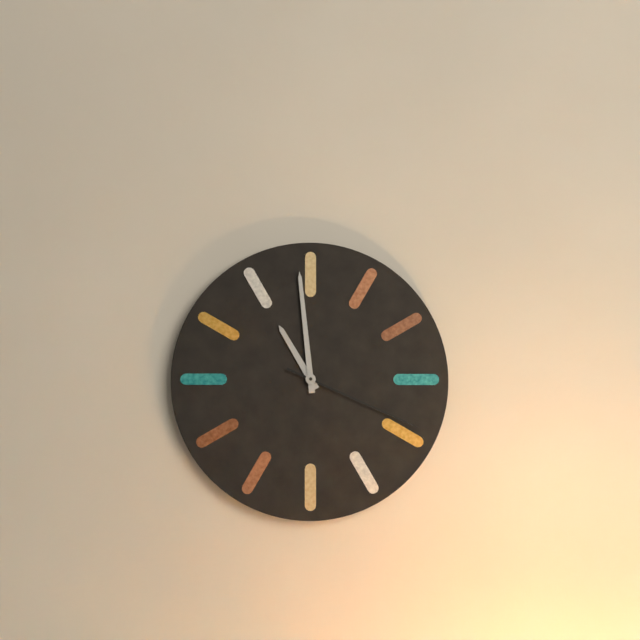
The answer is 10:59:19
